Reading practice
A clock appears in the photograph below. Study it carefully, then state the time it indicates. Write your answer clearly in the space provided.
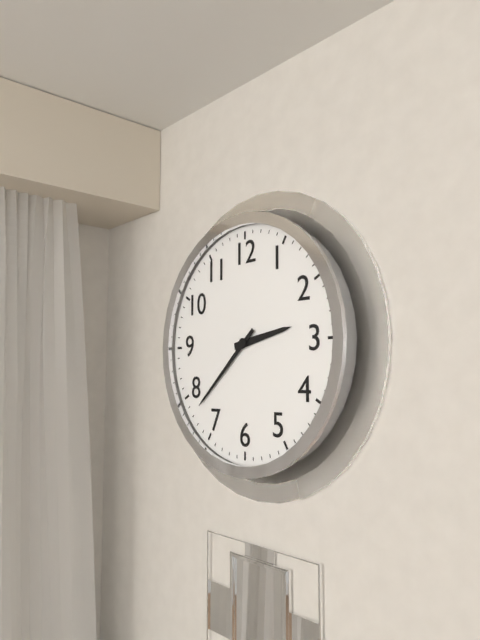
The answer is 2:38
